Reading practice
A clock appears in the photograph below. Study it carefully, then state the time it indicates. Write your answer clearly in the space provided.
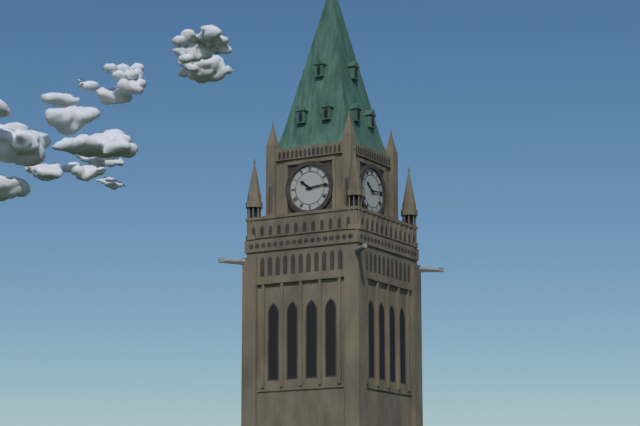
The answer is 10:14
